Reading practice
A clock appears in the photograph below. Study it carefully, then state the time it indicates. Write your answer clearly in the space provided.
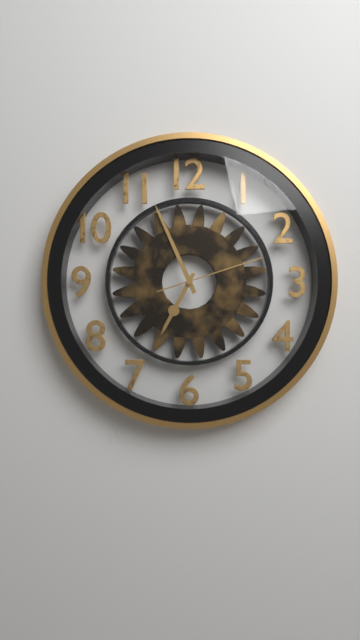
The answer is 6:56:12
